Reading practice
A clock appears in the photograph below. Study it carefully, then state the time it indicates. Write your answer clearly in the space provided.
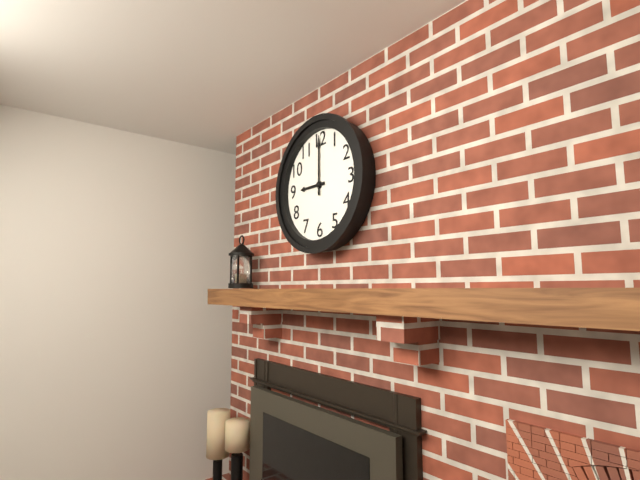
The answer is 9:00
